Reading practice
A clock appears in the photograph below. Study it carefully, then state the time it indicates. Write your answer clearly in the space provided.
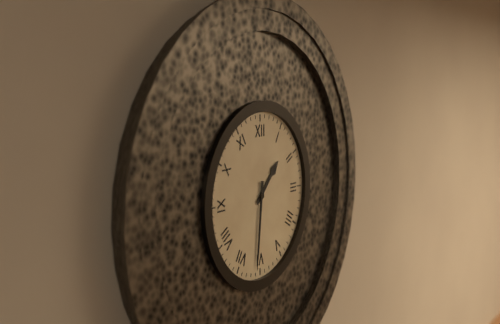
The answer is 1:31
